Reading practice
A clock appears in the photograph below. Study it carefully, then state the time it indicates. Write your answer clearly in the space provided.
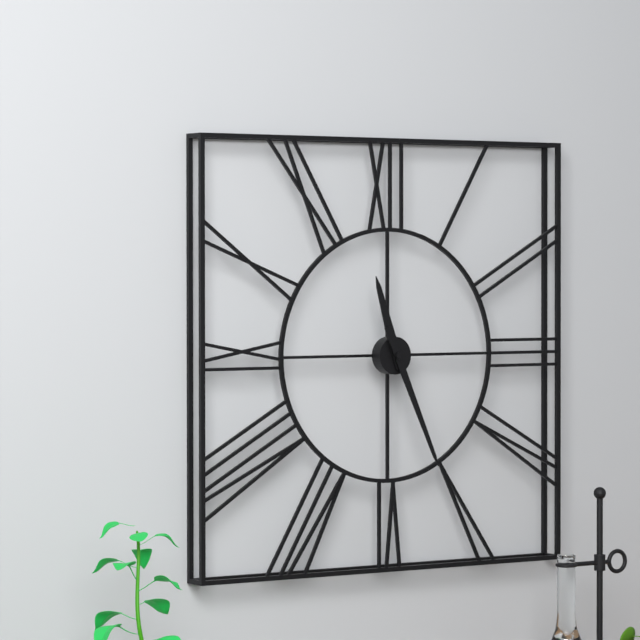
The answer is 11:26
